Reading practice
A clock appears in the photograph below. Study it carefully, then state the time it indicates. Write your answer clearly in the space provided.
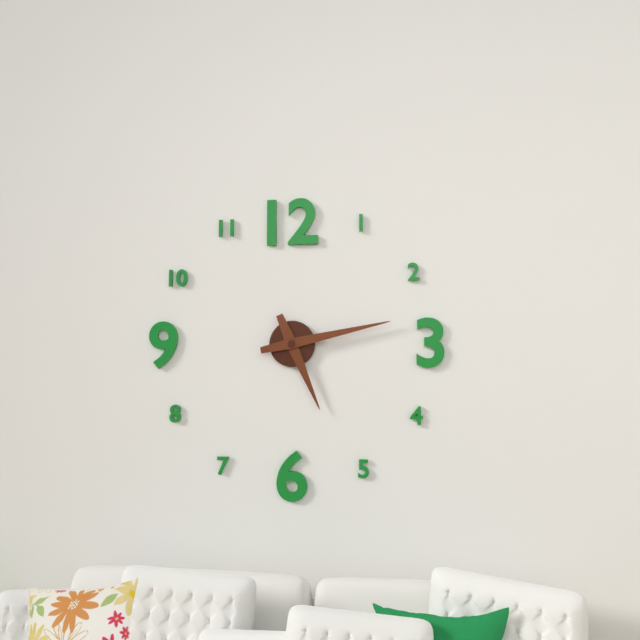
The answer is 5:13
